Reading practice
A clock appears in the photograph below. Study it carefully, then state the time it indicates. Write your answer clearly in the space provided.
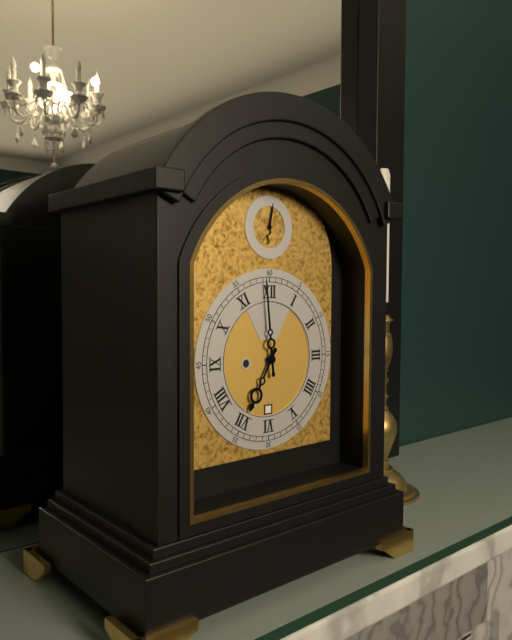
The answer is 6:59
